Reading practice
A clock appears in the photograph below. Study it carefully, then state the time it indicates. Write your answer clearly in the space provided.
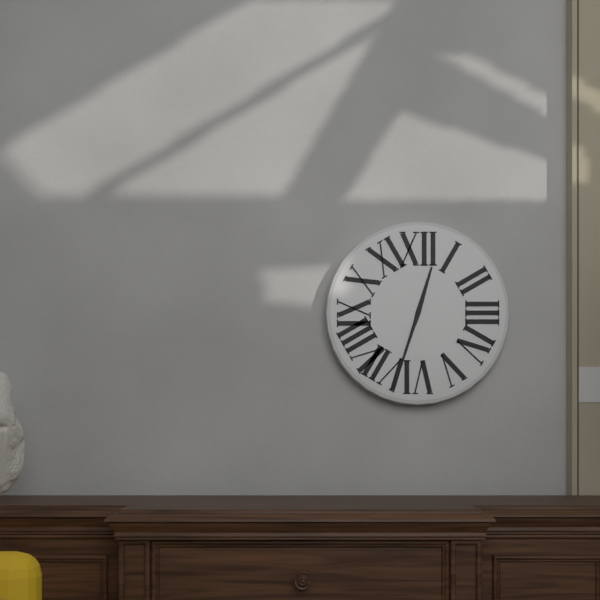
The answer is 12:33
